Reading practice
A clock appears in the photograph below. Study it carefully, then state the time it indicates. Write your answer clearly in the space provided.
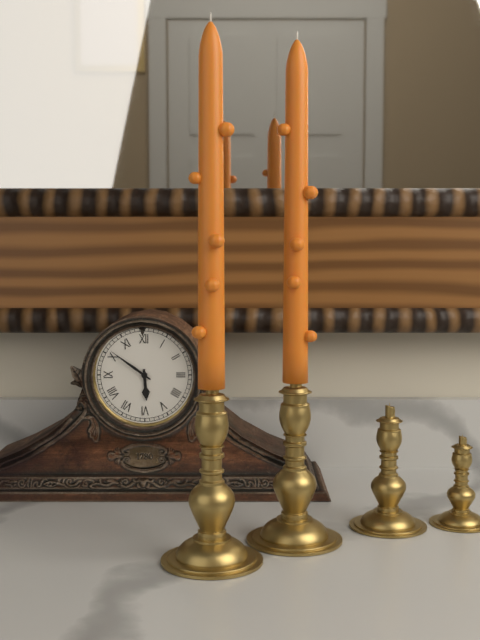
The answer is 5:51
